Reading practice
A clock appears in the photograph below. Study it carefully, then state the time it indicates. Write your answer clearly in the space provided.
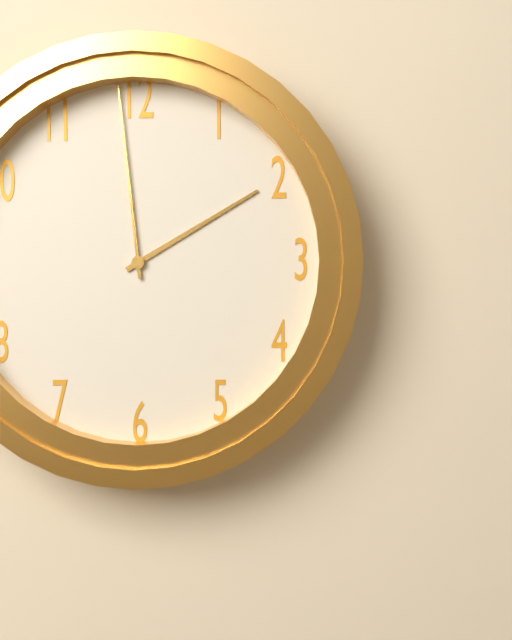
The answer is 1:59
